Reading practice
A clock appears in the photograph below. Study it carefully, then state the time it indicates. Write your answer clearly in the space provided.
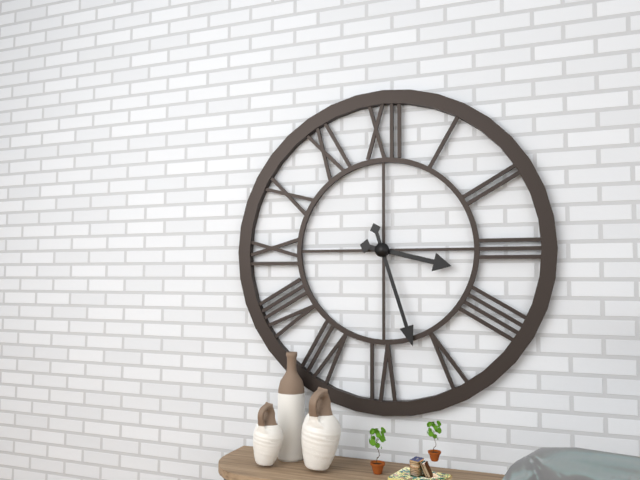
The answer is 3:27
